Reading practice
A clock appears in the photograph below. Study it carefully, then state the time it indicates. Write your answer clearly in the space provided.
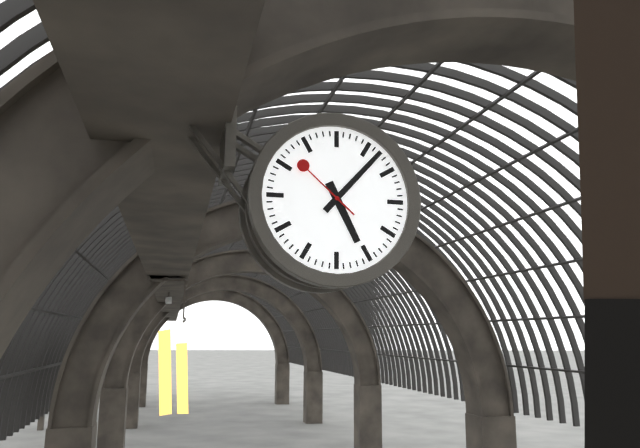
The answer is 5:07:52
